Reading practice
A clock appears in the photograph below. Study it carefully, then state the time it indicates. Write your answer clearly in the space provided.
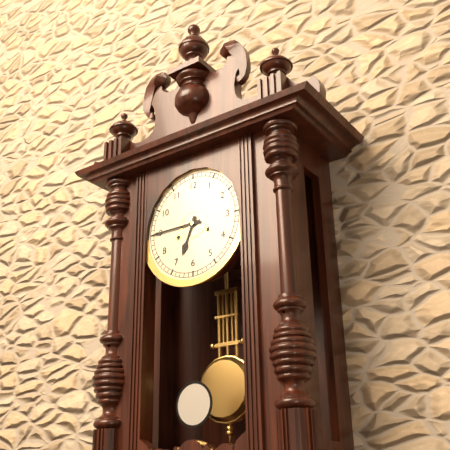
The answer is 6:45
